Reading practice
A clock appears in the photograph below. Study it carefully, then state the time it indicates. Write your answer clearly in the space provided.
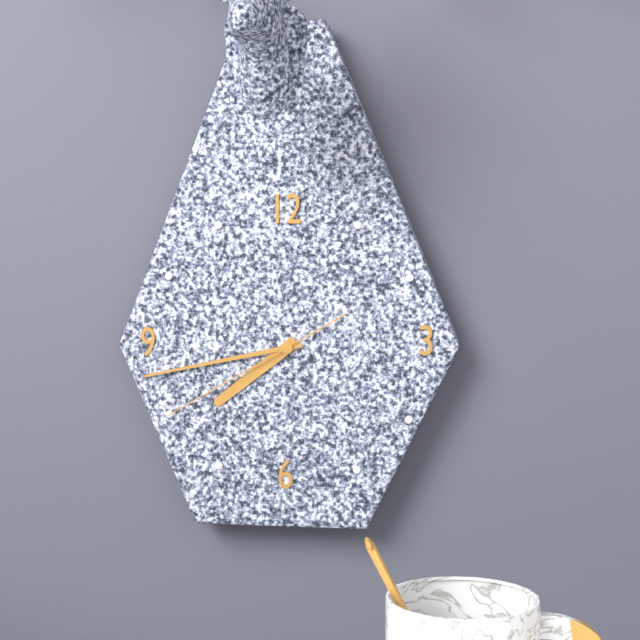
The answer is 7:43:40
